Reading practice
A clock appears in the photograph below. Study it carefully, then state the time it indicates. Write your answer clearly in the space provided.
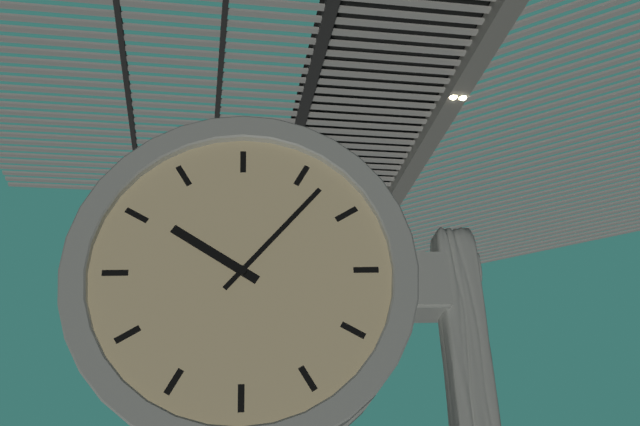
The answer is 10:07
